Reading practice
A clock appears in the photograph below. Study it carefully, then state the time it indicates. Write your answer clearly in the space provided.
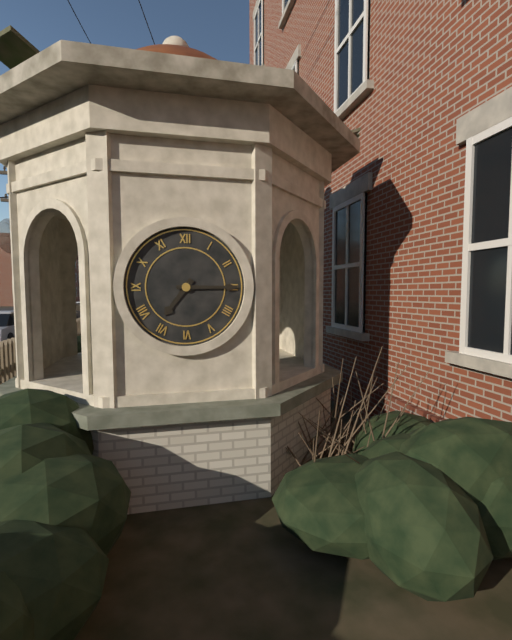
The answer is 7:15
